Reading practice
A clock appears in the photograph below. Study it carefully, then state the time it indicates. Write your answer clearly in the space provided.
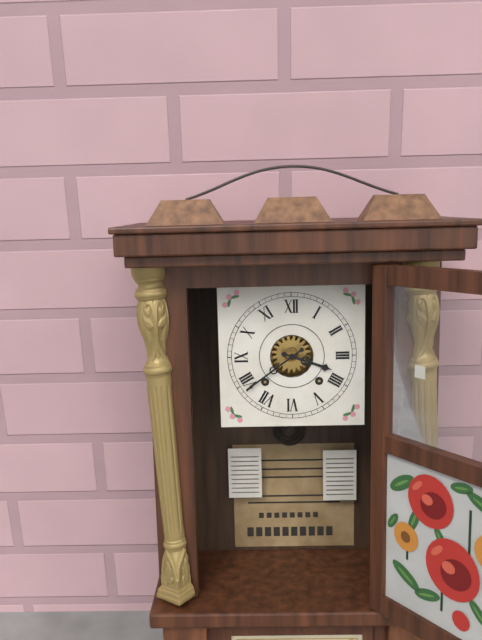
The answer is 3:39
